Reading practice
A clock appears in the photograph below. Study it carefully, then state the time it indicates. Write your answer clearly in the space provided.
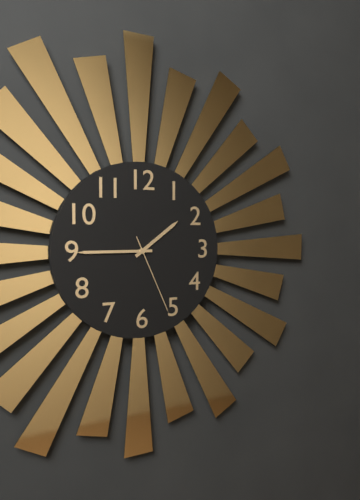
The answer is 1:45:26
